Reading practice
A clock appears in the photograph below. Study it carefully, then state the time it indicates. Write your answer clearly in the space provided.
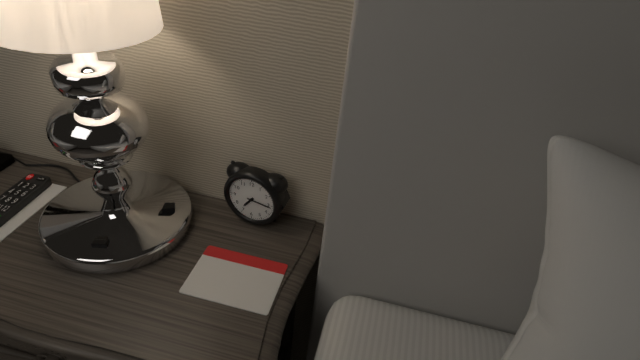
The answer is 7:16
